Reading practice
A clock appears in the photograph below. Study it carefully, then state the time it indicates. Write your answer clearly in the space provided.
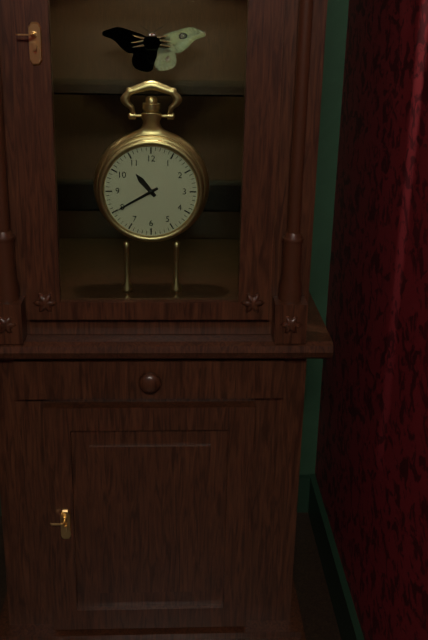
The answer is 10:40
